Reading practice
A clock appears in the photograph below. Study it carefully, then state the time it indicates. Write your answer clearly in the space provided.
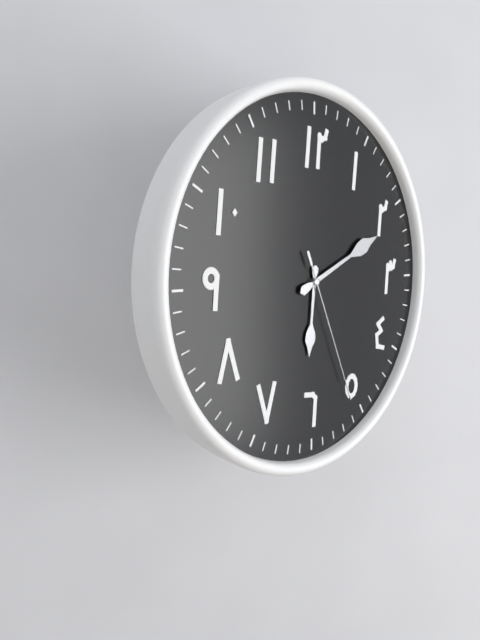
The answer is 6:11:26
